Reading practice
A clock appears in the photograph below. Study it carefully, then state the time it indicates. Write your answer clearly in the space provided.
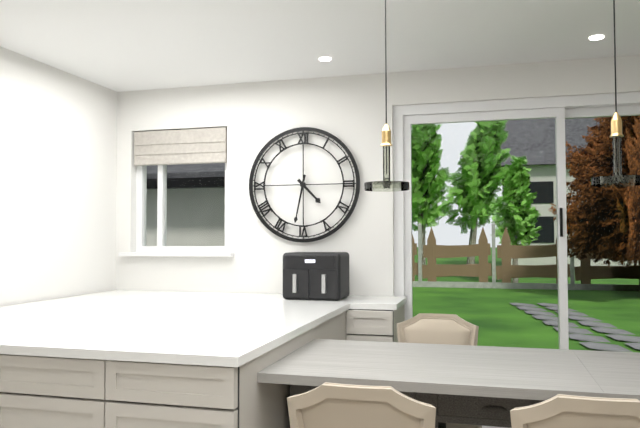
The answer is 4:32
